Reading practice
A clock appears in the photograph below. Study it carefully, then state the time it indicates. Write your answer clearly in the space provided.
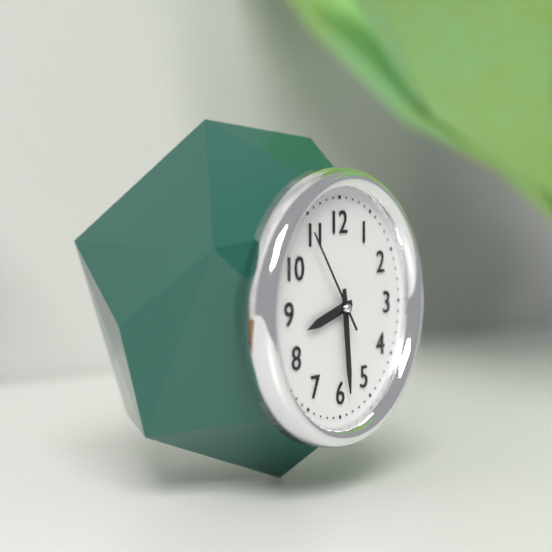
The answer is 8:29:54
